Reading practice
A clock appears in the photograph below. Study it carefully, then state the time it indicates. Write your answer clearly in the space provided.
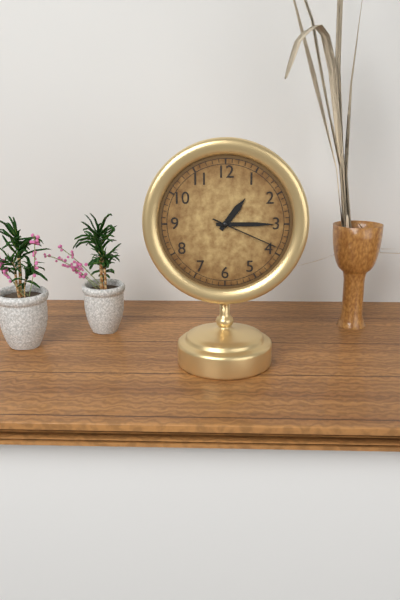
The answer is 1:15:19
